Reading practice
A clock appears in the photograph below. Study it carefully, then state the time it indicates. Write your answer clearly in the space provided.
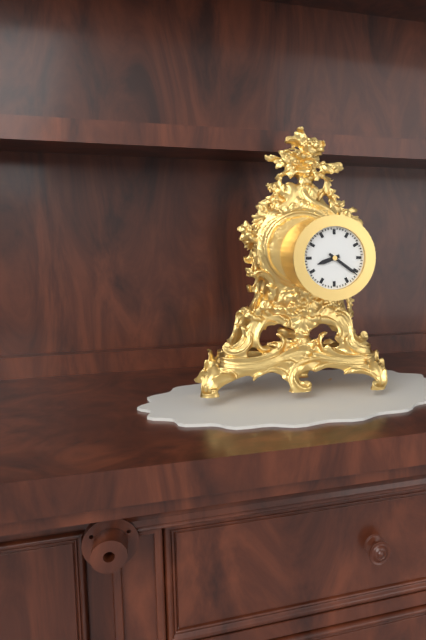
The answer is 8:21
